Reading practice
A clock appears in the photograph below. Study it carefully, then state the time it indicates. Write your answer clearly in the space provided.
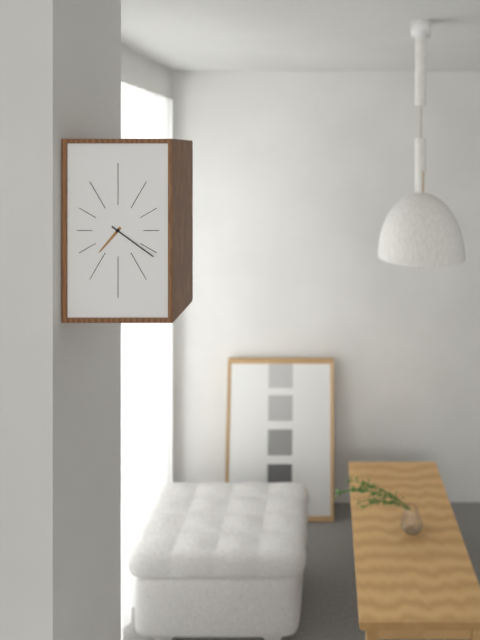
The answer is 7:21
